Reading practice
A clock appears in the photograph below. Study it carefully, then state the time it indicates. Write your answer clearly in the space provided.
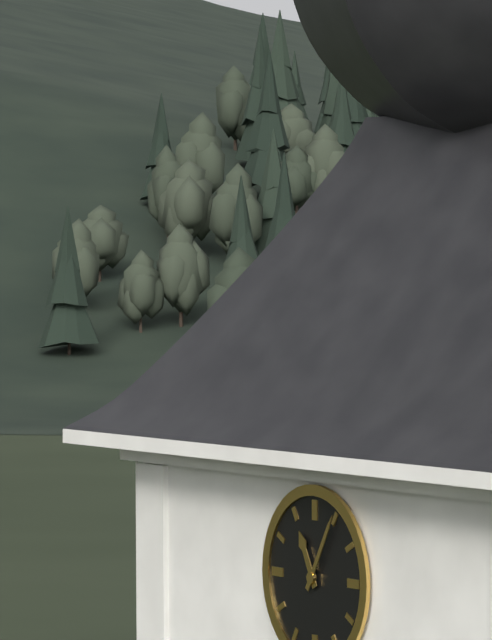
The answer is 11:05
